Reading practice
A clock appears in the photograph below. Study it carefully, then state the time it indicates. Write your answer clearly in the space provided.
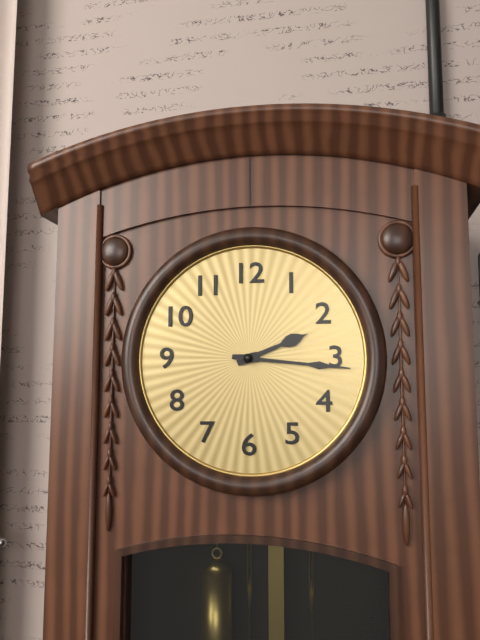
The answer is 2:16
